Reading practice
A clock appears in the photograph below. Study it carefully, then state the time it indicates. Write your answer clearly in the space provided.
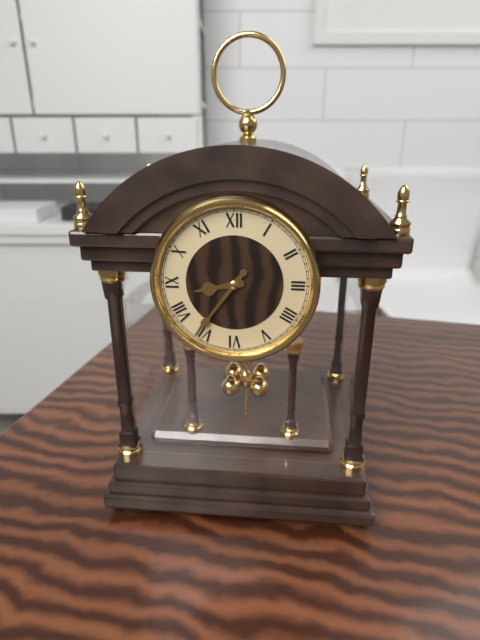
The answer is 8:36
